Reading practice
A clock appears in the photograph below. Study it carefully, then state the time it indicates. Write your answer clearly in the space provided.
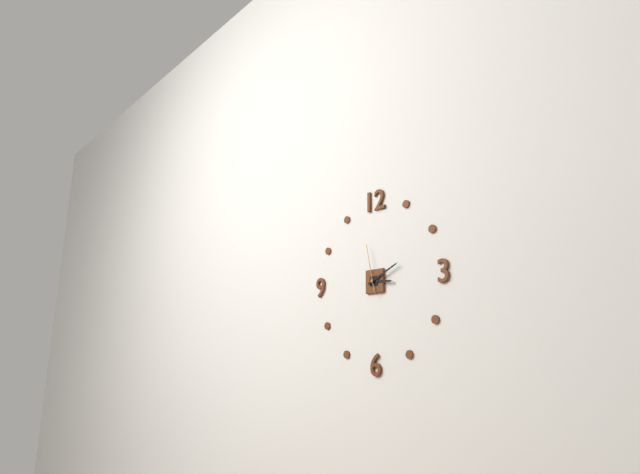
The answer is 3:11
